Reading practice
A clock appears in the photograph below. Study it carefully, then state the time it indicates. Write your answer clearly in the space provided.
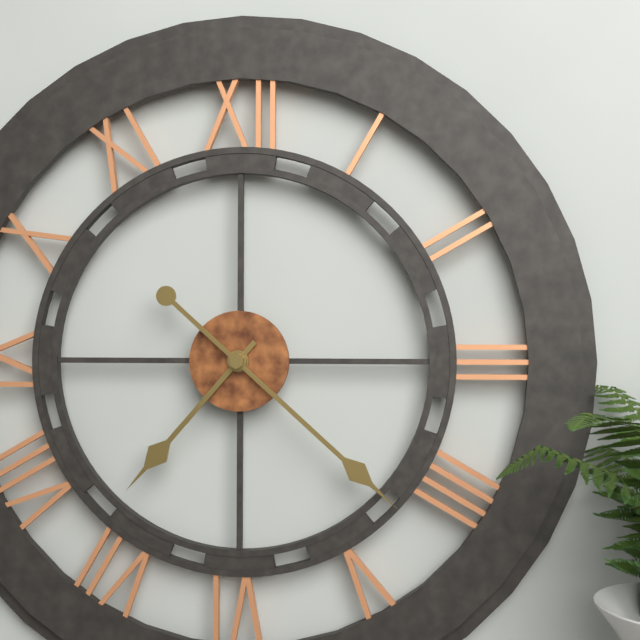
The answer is 7:22
